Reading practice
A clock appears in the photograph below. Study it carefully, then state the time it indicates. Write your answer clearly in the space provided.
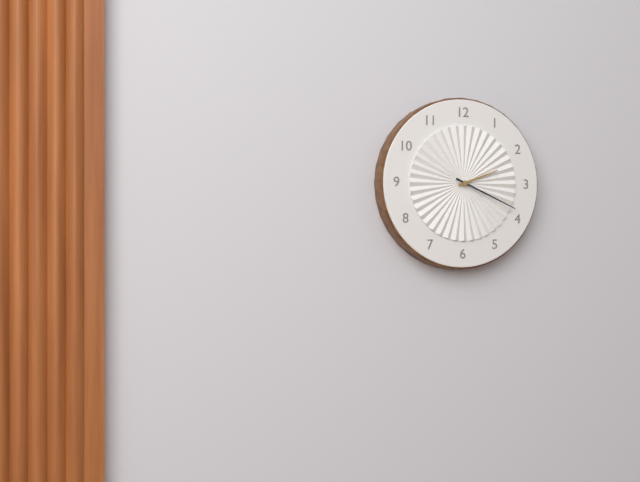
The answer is 2:19
